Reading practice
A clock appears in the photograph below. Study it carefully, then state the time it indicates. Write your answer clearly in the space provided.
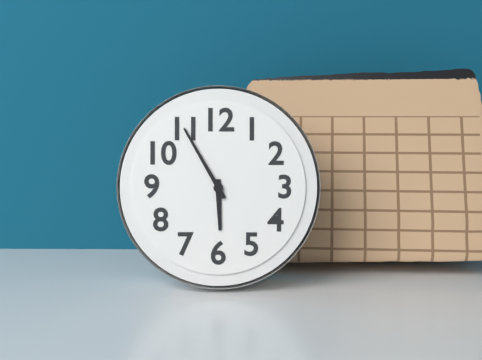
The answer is 5:55
